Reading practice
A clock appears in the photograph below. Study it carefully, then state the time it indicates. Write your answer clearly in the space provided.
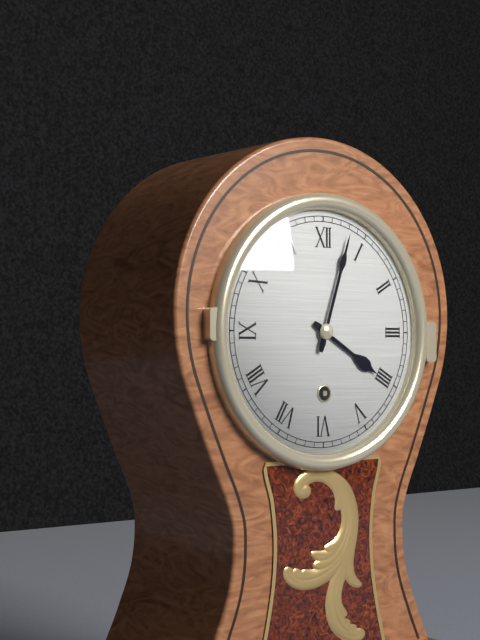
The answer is 4:03
